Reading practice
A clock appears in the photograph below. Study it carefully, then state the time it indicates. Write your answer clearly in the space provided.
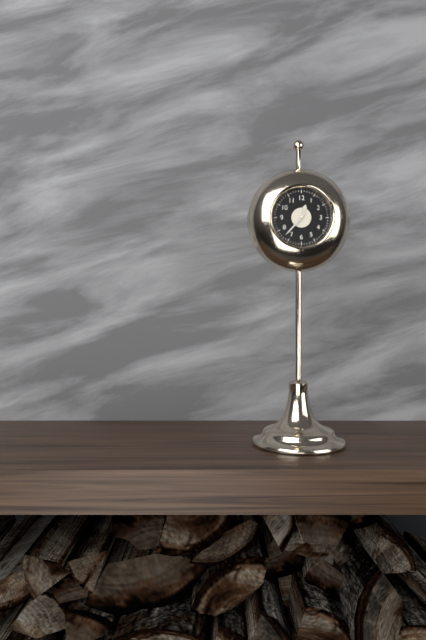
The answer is 12:37
